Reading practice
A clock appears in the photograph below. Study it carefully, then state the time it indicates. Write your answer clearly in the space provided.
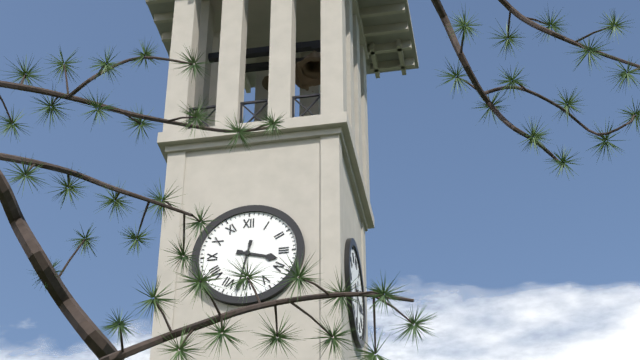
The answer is 3:32
